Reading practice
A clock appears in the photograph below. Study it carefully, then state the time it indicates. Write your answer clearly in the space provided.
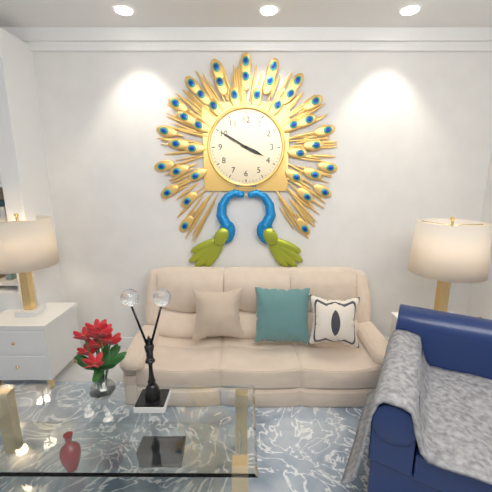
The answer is 3:50
